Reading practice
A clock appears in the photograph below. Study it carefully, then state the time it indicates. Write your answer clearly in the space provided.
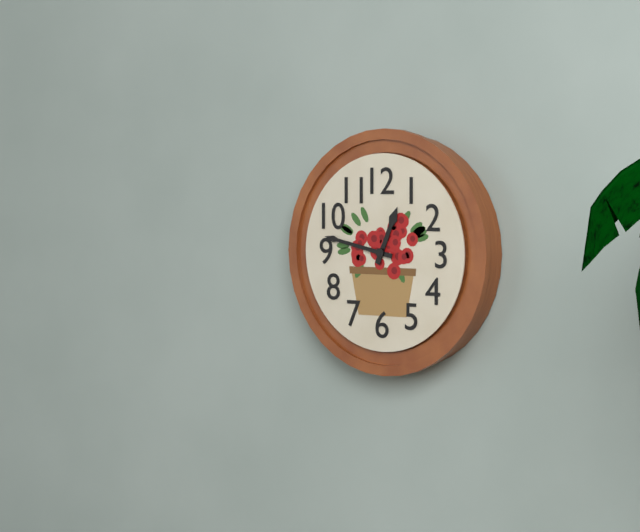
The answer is 12:47
